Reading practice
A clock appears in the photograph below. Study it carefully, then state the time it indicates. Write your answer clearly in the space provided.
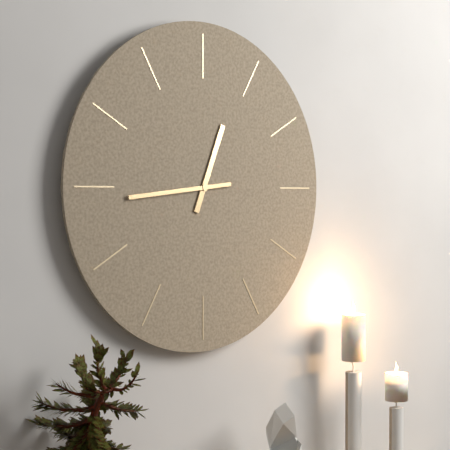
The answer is 12:44
